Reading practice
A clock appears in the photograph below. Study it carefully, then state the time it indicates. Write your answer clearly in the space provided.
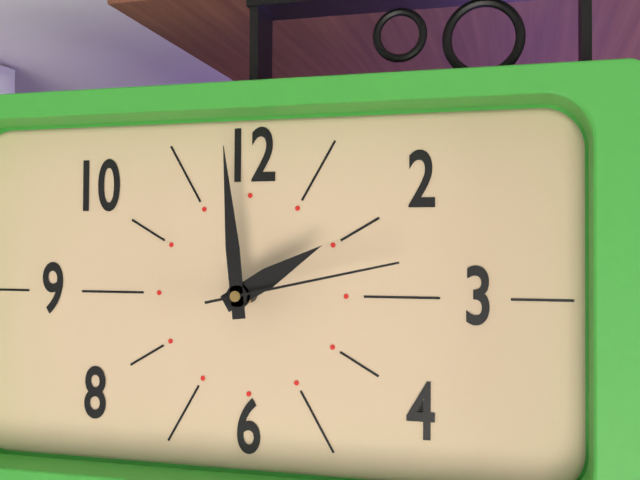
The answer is 1:59:13
